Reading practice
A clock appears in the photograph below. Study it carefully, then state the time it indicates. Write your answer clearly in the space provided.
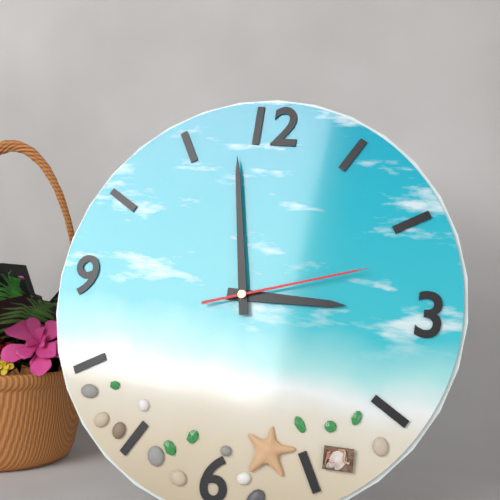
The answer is 2:58:12
